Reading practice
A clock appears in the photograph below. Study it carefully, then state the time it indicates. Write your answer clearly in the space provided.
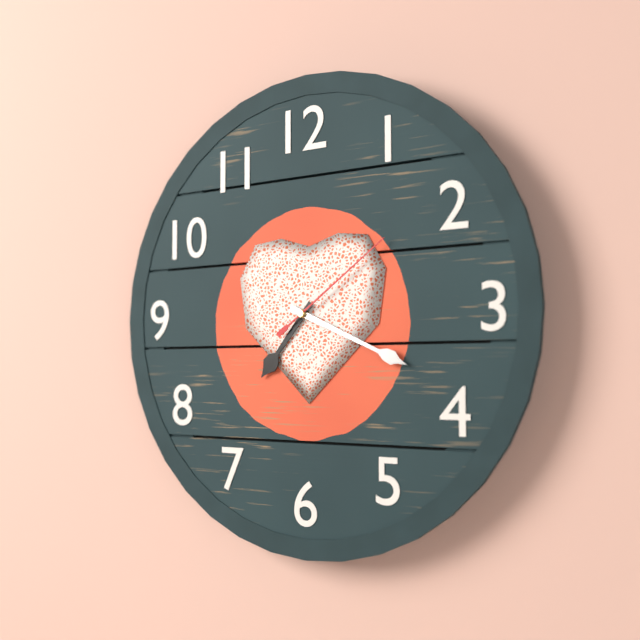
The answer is 7:19:09
